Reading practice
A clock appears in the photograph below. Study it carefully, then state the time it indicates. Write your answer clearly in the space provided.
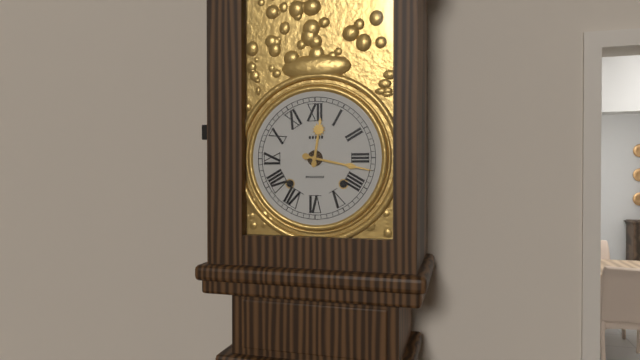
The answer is 12:17
